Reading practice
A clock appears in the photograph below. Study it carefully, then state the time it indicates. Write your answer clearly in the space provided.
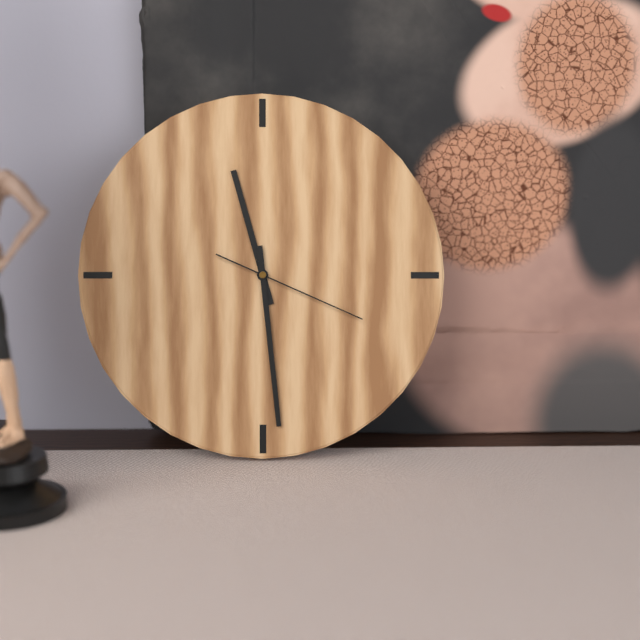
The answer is 11:29:19
